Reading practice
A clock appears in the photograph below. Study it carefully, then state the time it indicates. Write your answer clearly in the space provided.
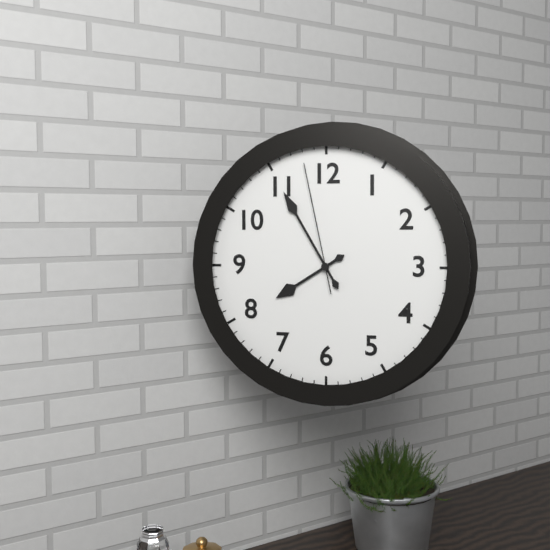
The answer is 7:55:58
